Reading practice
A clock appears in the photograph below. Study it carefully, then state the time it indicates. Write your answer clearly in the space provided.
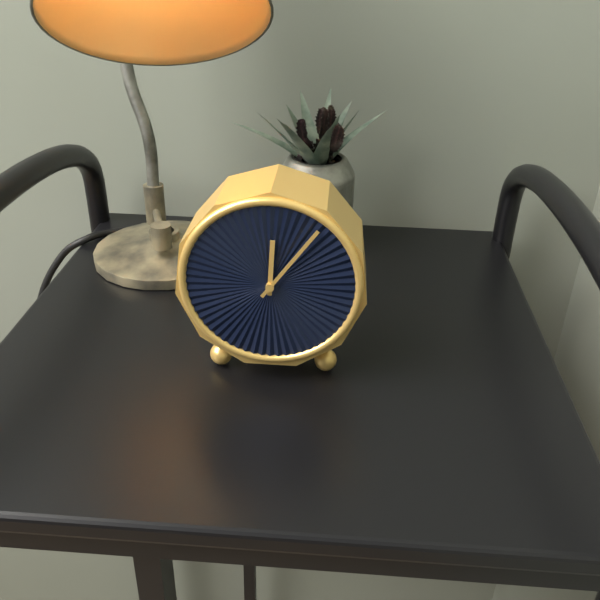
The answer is 12:06
